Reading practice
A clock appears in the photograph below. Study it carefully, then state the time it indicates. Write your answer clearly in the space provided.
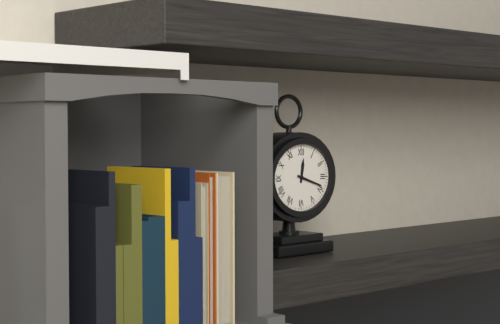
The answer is 12:18
